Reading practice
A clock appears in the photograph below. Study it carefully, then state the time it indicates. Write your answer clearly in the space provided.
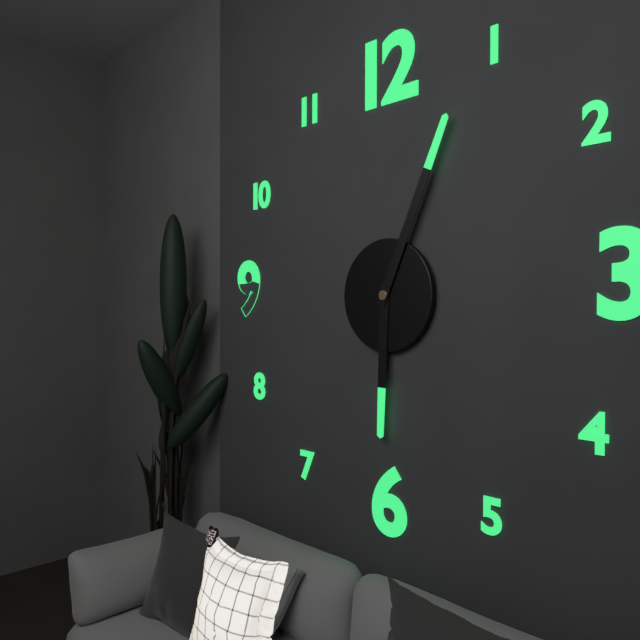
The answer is 6:04
